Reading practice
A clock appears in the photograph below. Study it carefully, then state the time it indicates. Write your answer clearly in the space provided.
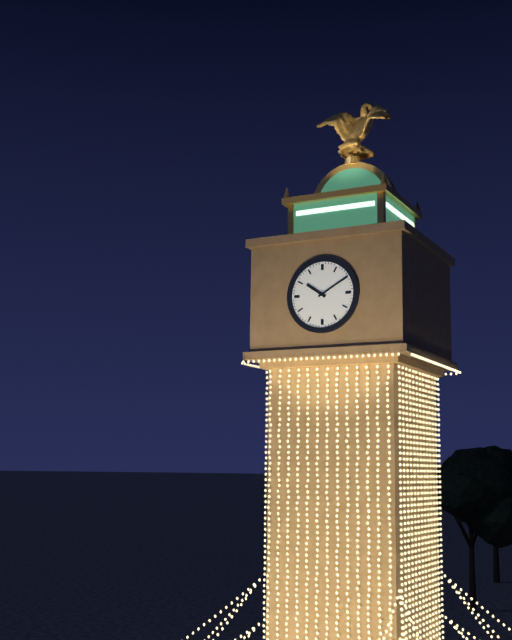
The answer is 10:10
